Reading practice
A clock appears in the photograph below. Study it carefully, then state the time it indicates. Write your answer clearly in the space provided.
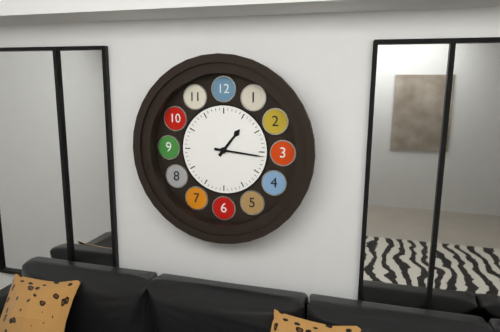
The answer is 1:16
